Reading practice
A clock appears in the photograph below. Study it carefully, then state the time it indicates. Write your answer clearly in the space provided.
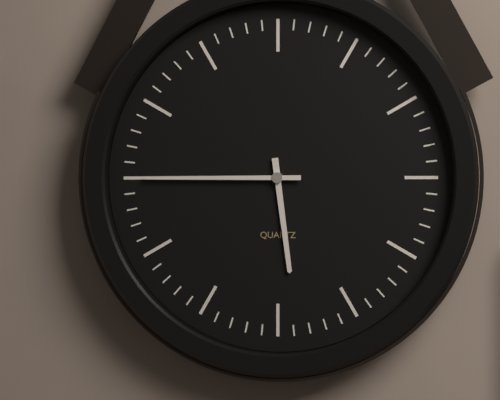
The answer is 5:45
